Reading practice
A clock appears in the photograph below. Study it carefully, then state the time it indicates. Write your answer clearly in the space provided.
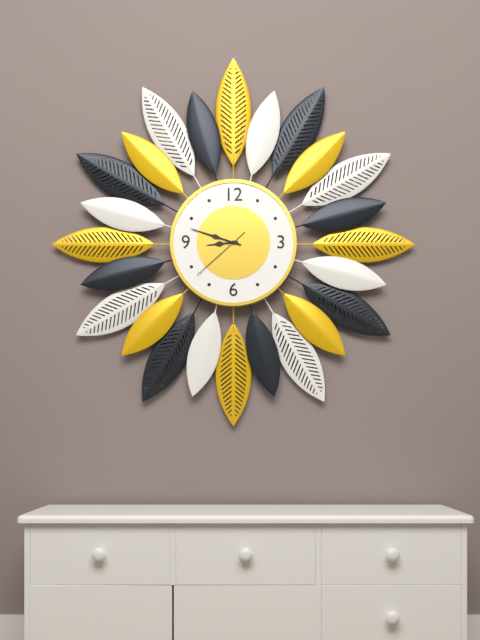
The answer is 8:48:38
